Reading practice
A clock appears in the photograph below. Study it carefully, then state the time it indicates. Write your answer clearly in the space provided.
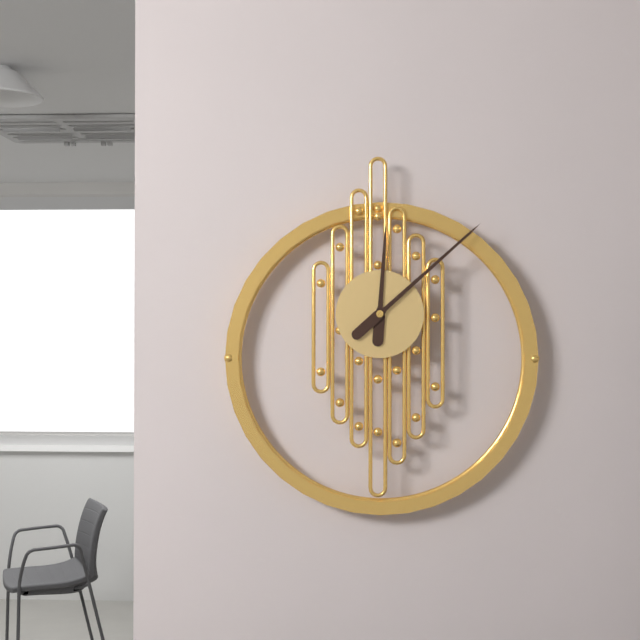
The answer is 12:08
